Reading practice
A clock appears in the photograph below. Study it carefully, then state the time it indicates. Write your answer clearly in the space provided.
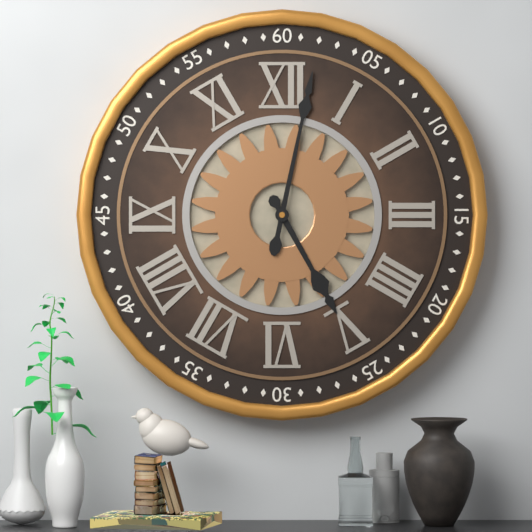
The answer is 5:02
